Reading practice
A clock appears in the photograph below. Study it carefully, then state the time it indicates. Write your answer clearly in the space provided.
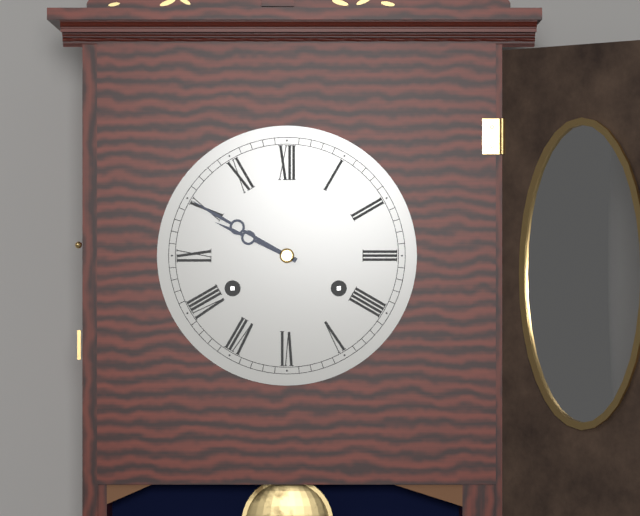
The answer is 9:50
